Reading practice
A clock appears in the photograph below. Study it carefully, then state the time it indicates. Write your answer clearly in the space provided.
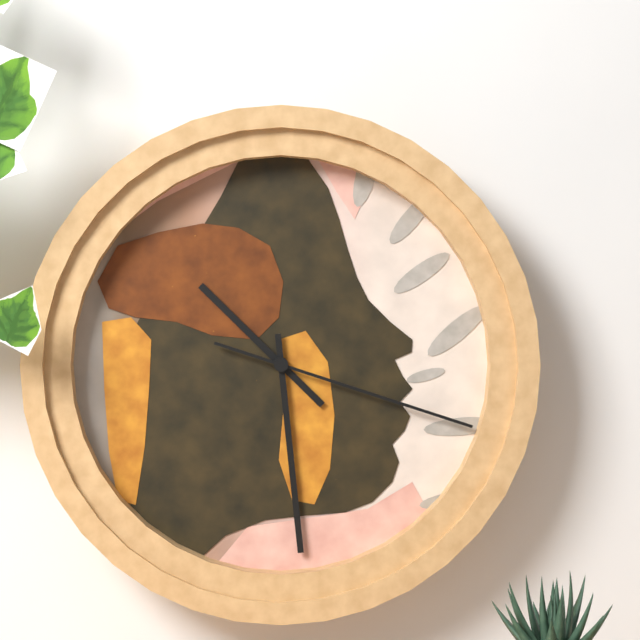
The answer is 10:29:18
